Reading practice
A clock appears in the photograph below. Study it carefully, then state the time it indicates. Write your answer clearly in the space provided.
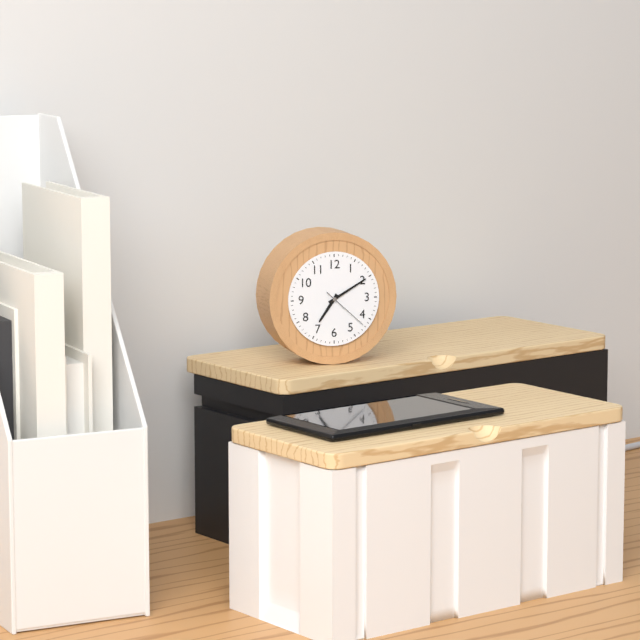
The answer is 7:10
